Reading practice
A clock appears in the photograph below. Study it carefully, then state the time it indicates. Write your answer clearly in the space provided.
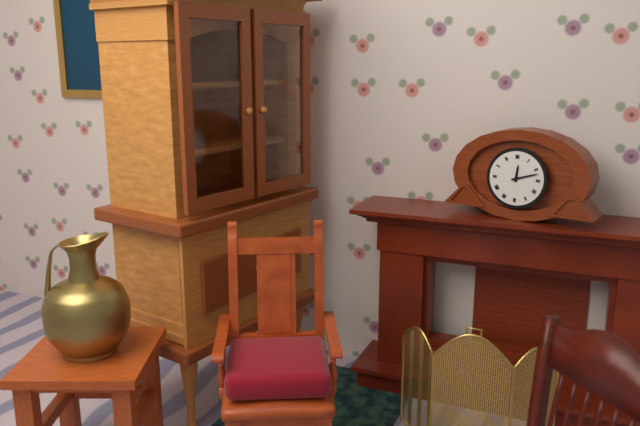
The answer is 12:12
